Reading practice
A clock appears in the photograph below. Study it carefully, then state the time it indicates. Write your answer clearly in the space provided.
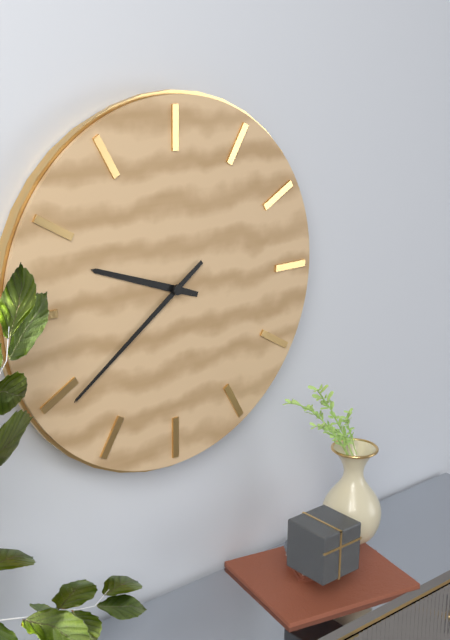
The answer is 9:39
